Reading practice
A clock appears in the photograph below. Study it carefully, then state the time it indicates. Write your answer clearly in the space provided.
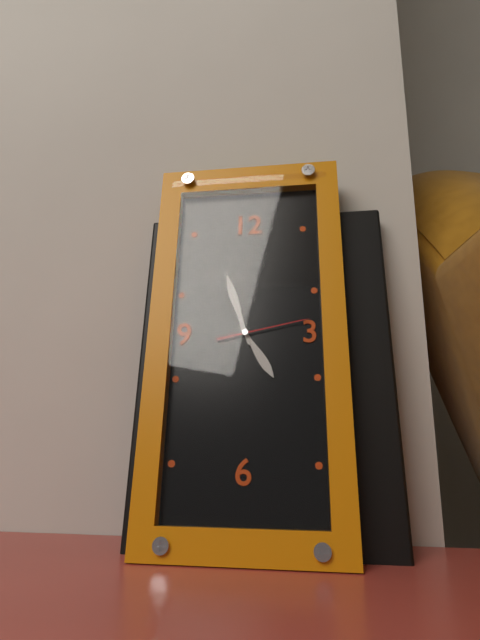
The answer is 4:57:13
